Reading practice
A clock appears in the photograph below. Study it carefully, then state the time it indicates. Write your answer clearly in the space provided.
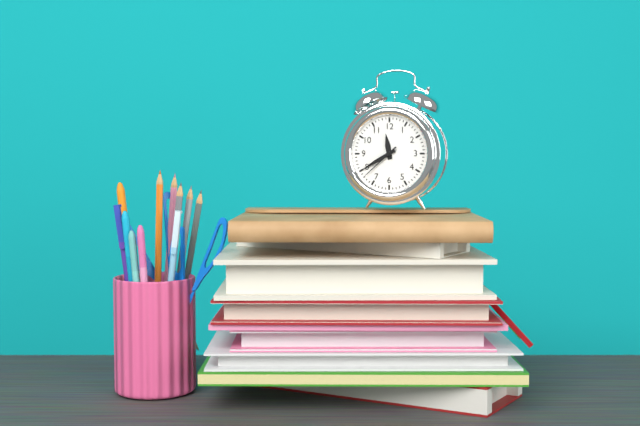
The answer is 11:40
